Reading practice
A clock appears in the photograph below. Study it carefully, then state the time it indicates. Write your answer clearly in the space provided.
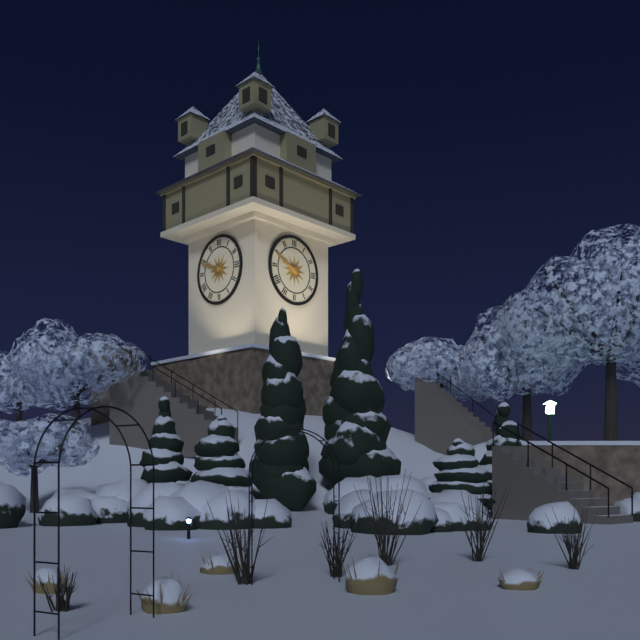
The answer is 9:49
